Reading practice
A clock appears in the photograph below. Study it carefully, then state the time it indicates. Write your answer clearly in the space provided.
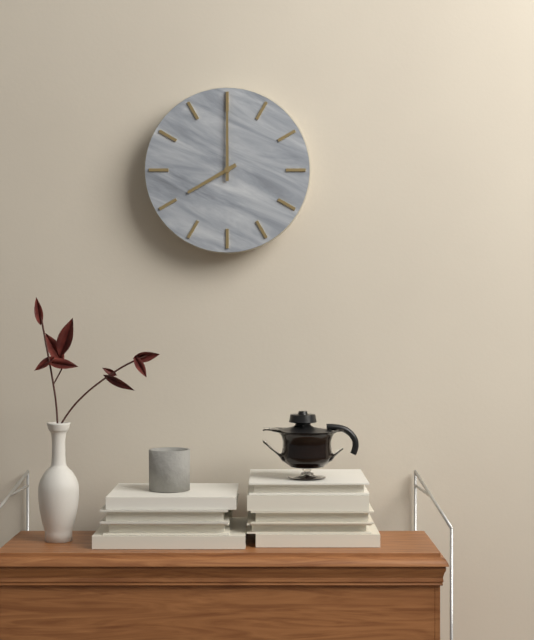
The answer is 8:00
